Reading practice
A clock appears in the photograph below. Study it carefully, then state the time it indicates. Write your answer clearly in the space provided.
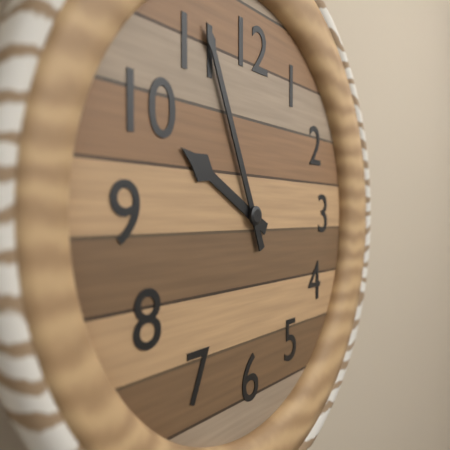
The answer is 9:56
